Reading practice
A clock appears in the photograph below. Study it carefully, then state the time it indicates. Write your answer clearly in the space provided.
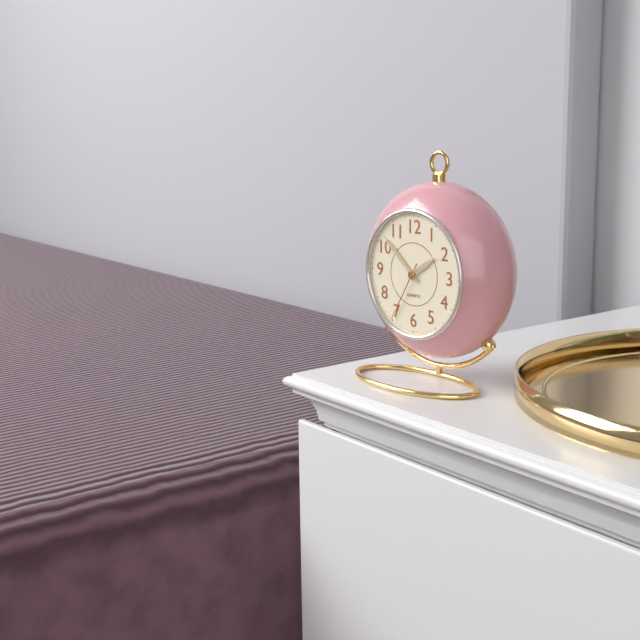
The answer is 1:52:35
